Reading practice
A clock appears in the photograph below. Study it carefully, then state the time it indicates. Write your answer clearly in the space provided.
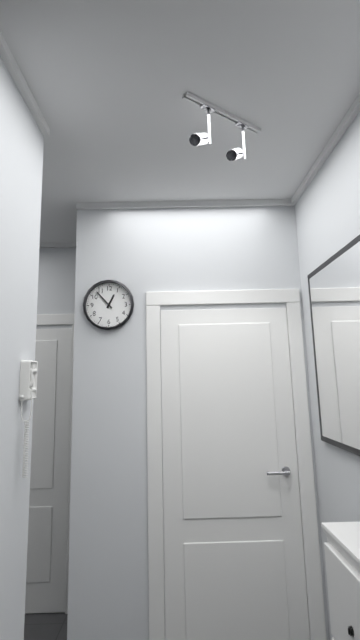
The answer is 12:53
